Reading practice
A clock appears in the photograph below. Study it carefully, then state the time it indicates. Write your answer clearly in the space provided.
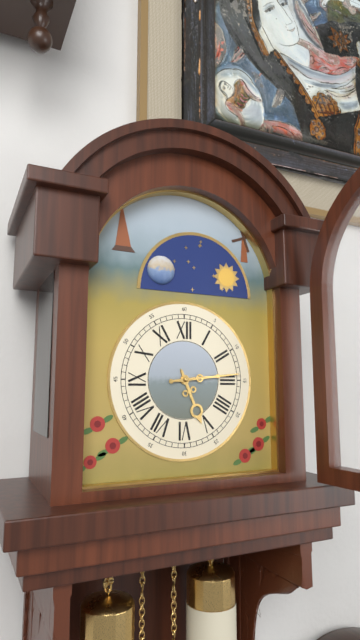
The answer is 5:14
